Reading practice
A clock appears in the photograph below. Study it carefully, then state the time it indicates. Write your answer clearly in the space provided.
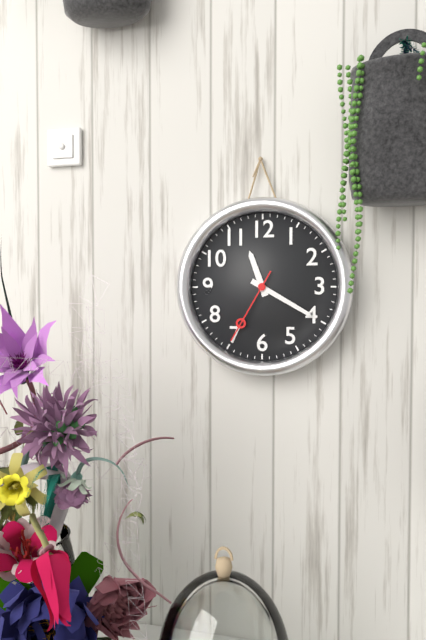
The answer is 11:20:35
